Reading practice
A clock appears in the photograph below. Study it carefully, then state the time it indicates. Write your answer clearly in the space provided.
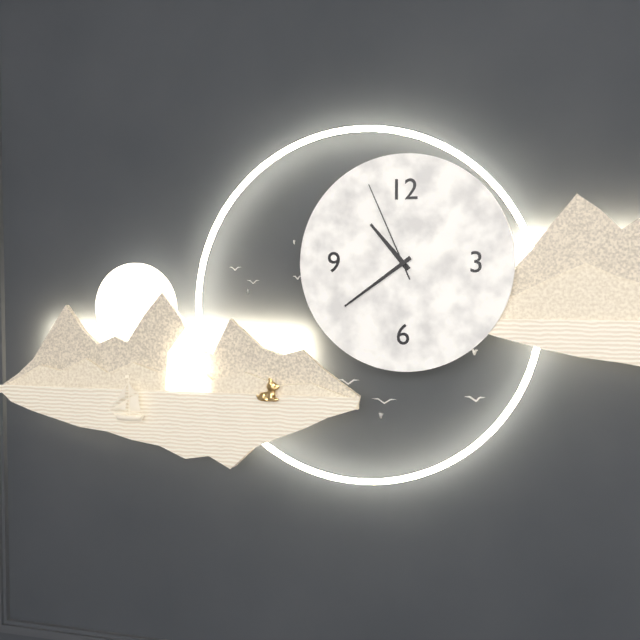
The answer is 10:39:56
